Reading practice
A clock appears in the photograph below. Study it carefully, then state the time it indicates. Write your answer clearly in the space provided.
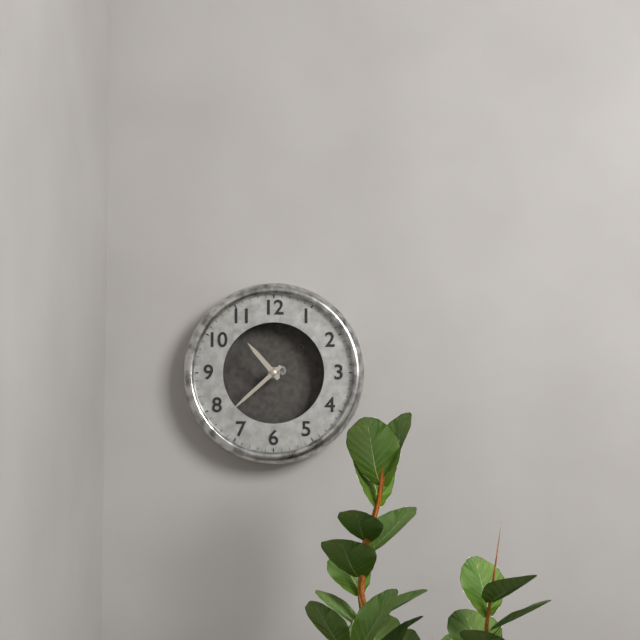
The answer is 10:38
